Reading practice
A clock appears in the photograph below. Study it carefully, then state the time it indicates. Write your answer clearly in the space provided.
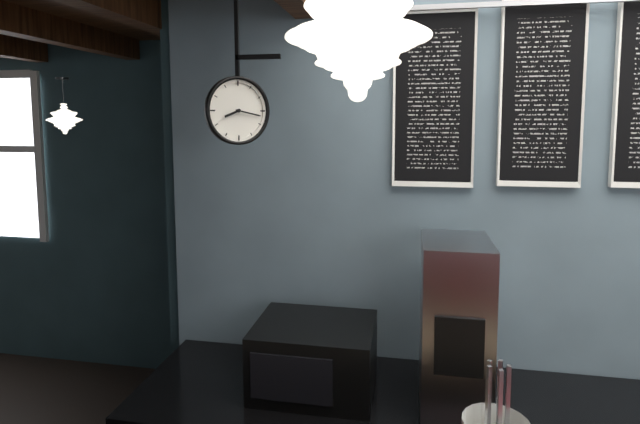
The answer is 8:17
